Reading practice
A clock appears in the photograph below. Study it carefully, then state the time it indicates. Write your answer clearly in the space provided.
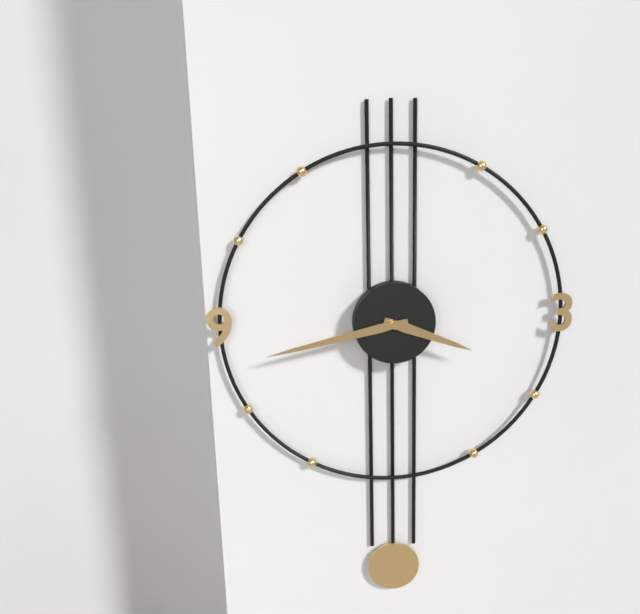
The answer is 3:43
